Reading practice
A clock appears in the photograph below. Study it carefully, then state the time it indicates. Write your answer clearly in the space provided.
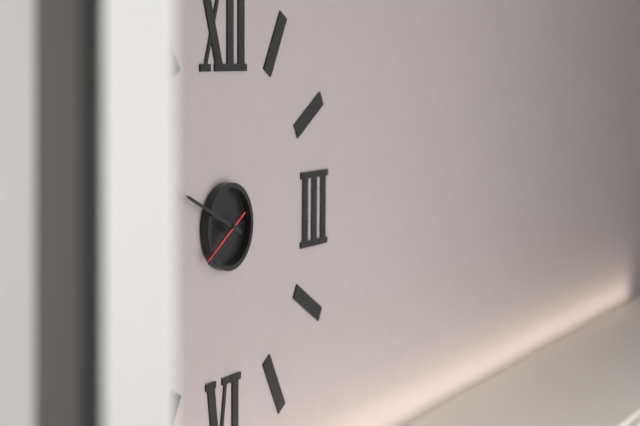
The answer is 7:49:40
